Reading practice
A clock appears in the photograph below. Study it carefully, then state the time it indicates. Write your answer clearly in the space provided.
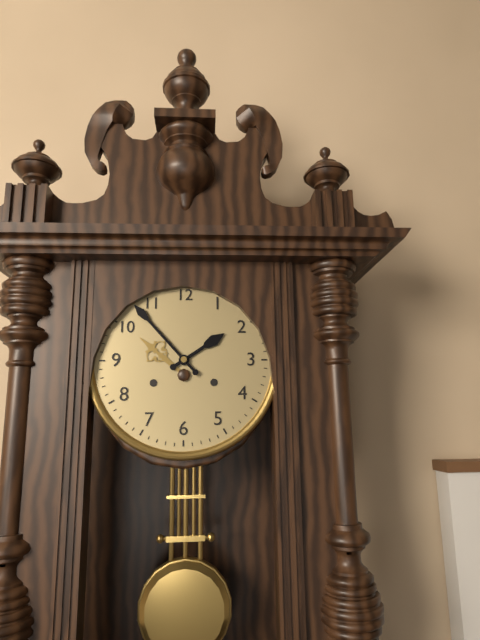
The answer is 1:53
